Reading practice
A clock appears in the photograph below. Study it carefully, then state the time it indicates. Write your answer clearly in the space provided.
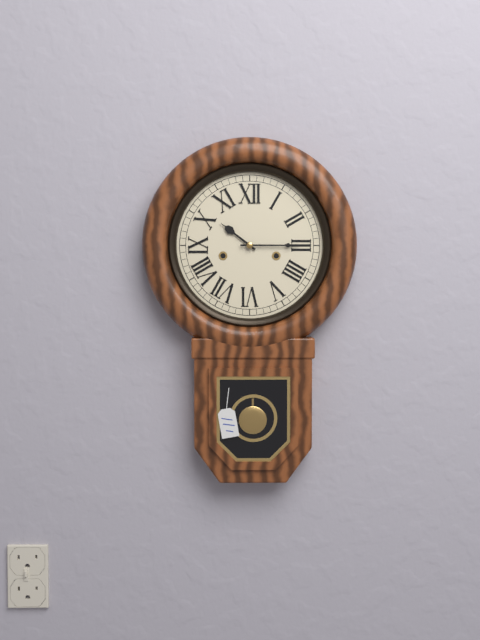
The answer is 10:15
